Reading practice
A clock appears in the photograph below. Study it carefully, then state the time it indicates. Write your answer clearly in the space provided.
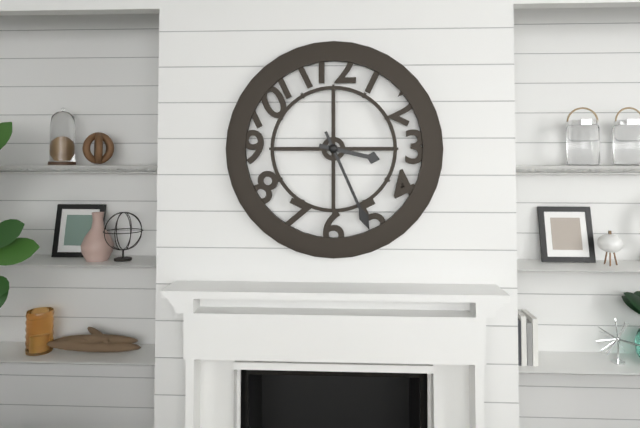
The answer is 3:26
